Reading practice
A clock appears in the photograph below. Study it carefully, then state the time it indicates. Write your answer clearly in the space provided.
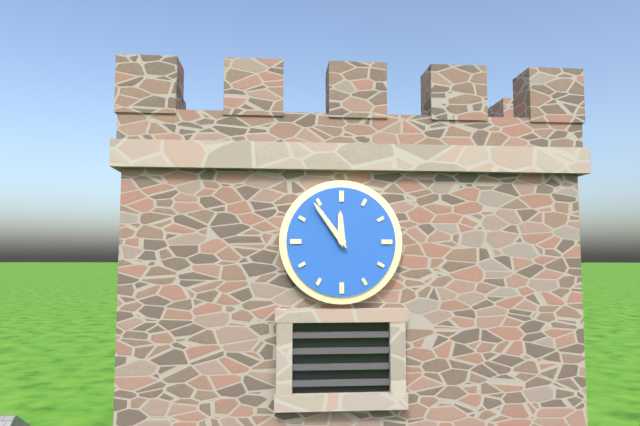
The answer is 11:54
